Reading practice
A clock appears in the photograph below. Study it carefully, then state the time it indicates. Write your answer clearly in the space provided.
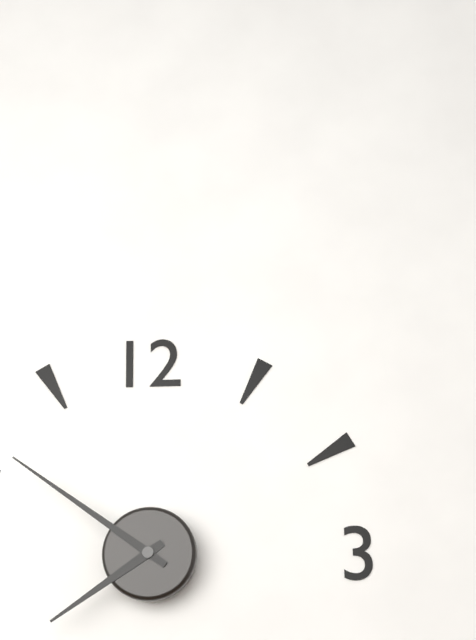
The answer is 7:51
